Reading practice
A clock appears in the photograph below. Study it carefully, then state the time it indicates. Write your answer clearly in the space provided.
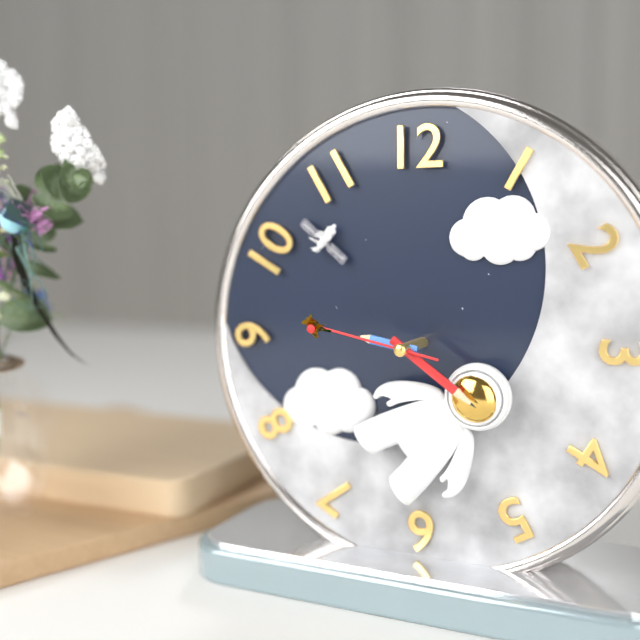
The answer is 9:21:47
